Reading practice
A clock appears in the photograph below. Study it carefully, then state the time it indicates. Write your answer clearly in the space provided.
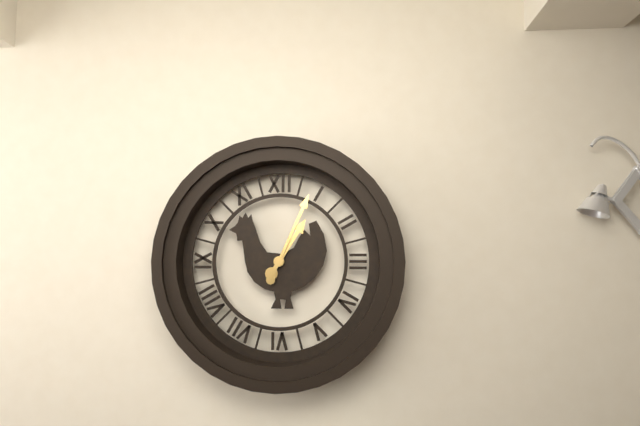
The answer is 1:04
